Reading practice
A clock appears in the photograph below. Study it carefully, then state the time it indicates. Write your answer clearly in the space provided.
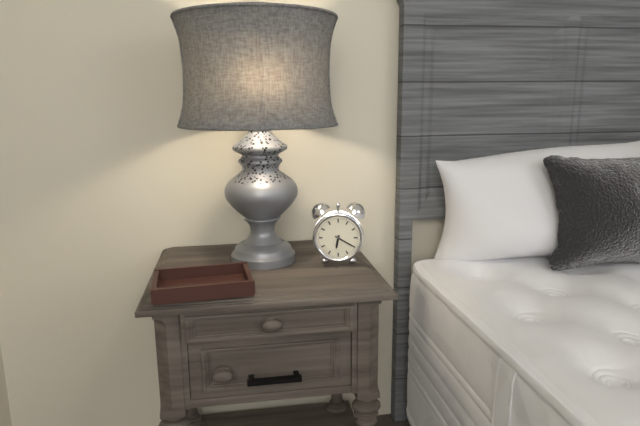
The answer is 6:20
